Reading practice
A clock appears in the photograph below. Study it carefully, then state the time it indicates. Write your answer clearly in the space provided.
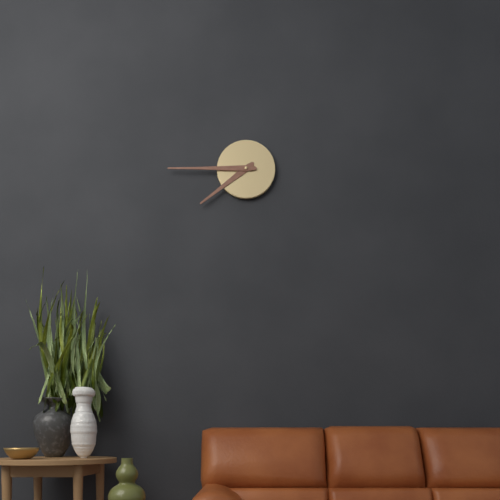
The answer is 7:45
